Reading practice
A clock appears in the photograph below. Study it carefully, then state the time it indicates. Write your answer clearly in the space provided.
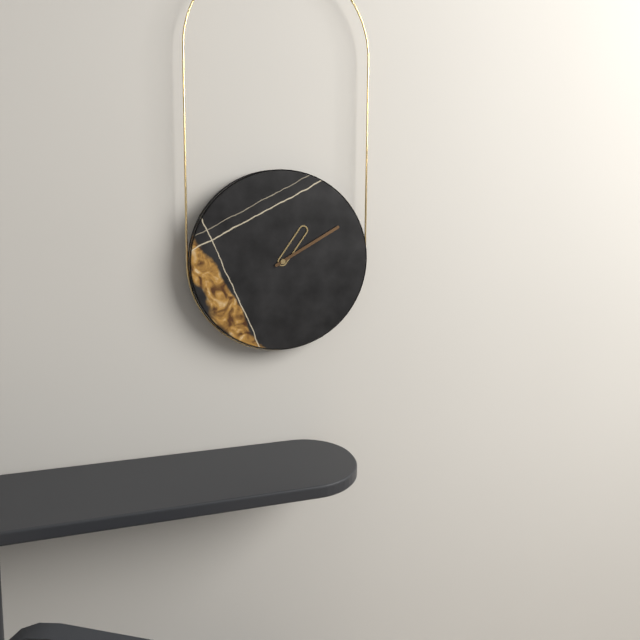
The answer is 1:10
